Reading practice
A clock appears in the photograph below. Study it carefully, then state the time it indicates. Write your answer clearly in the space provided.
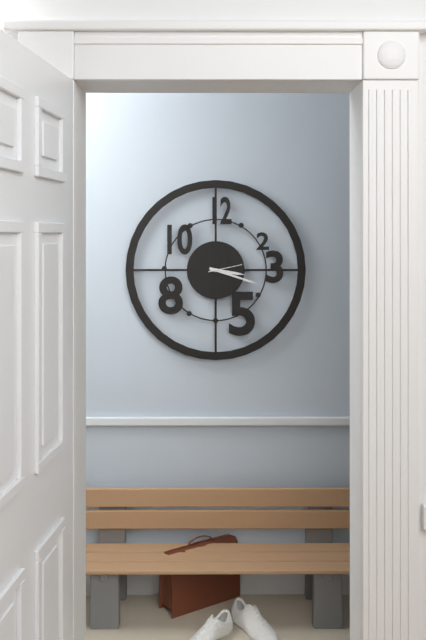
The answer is 3:18
